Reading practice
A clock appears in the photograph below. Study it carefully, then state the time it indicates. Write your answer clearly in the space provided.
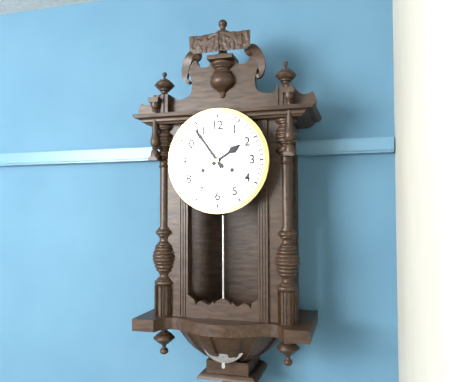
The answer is 1:54
